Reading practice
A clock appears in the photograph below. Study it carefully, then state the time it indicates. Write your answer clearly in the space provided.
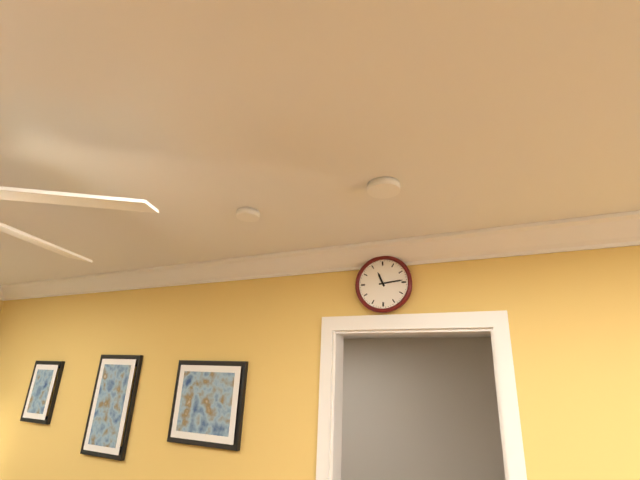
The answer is 11:14
